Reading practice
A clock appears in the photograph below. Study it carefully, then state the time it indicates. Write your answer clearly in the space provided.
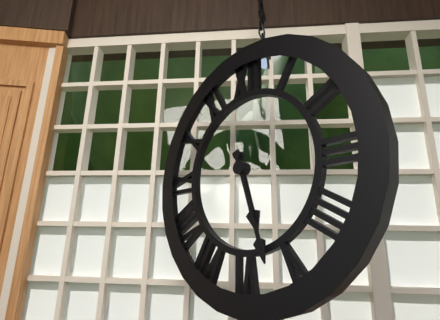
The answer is 5:27
